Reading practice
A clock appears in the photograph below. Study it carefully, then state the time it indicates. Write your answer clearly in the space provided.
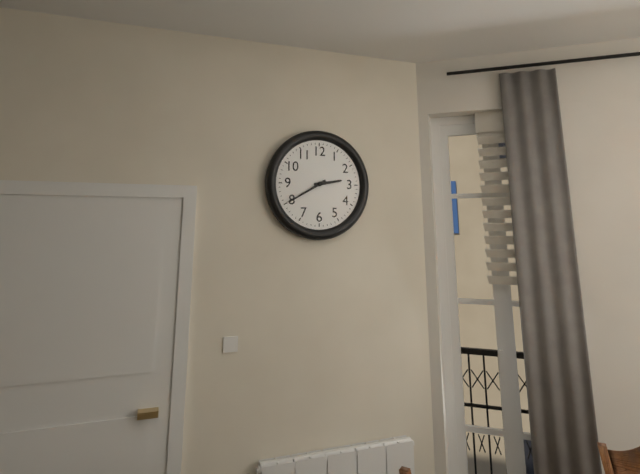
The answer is 2:40
